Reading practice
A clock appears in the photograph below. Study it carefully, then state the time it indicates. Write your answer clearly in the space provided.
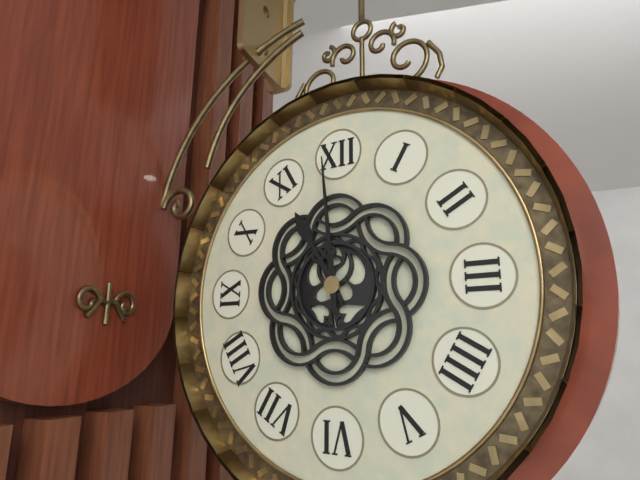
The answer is 10:59
